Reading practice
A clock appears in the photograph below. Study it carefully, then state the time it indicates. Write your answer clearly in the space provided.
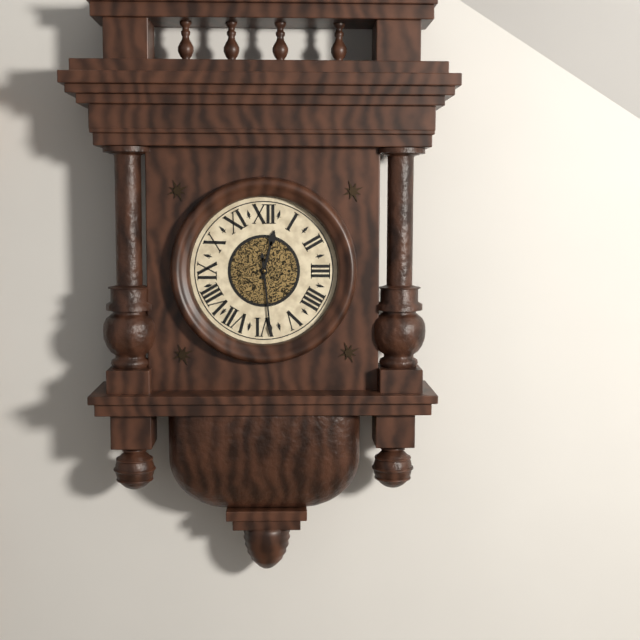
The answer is 12:29
